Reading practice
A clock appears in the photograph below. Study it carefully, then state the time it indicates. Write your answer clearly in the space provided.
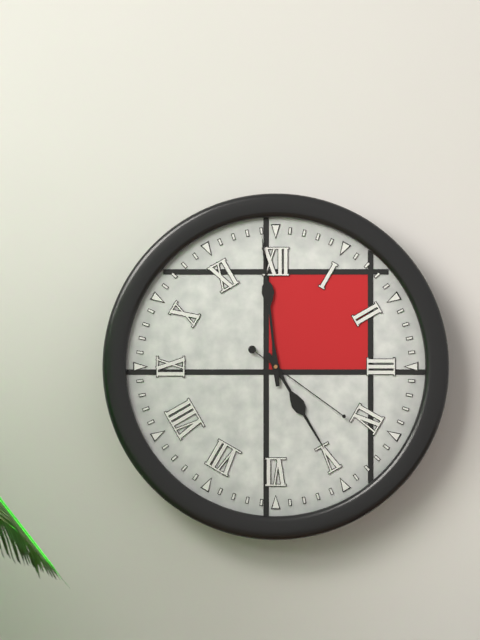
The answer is 4:59:21
